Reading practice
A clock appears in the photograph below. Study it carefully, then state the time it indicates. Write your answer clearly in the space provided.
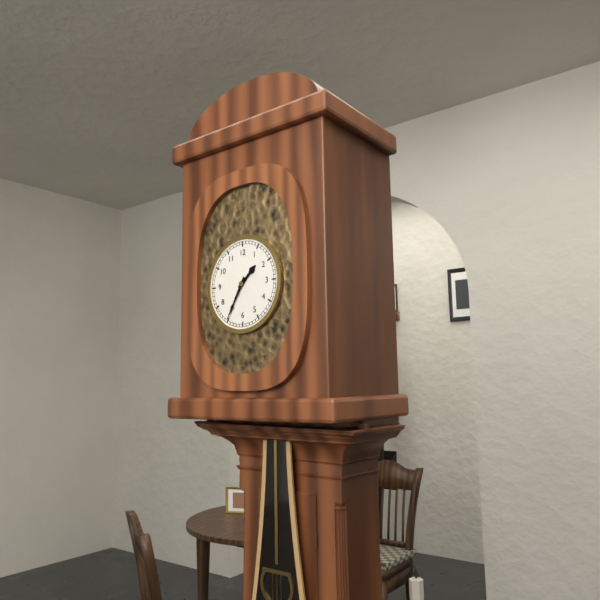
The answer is 1:35
